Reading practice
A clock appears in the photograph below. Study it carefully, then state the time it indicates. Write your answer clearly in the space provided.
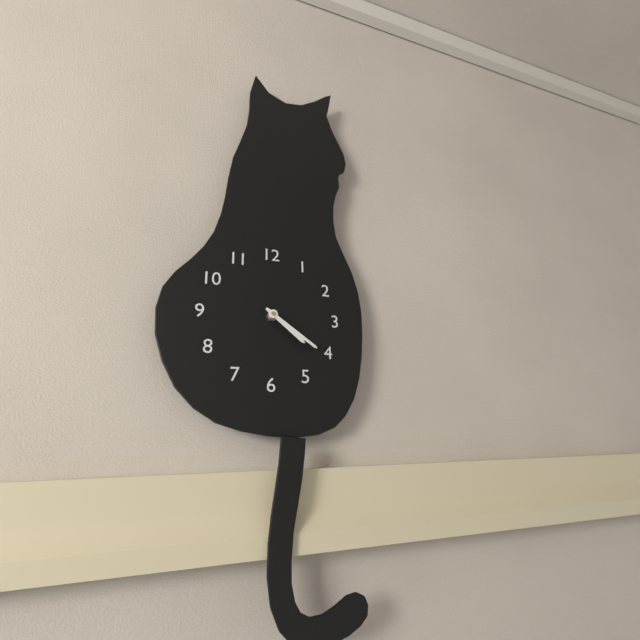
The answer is 4:21
